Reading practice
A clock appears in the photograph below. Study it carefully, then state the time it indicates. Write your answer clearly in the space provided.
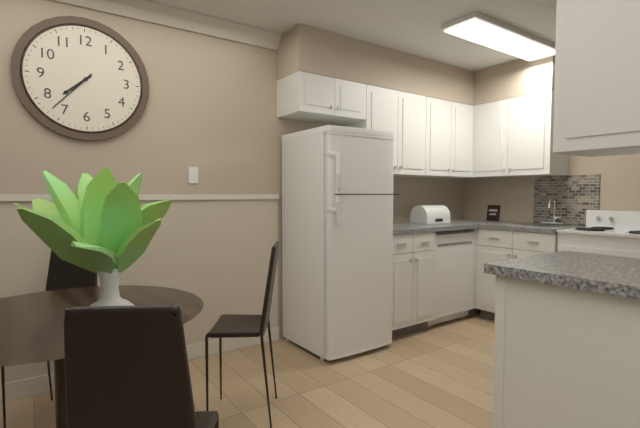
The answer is 7:37
